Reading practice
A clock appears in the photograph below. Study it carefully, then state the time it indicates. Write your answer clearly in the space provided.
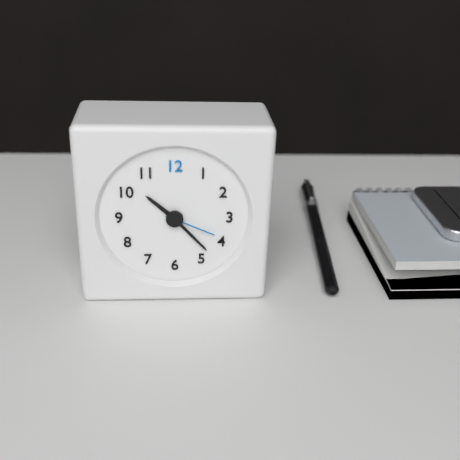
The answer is 10:23:19
